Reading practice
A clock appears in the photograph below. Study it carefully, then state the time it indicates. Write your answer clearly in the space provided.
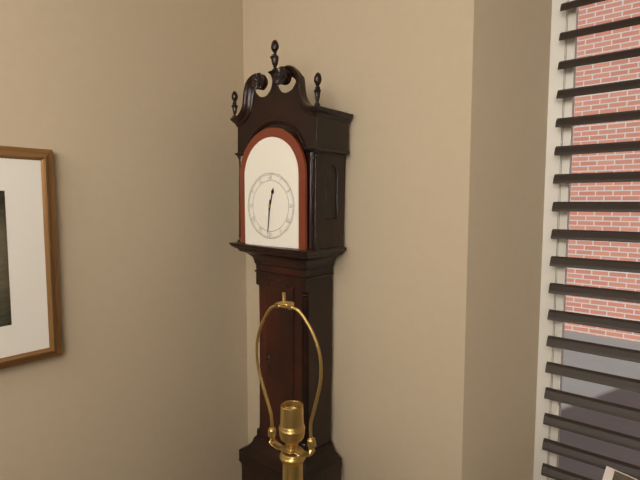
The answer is 12:31
